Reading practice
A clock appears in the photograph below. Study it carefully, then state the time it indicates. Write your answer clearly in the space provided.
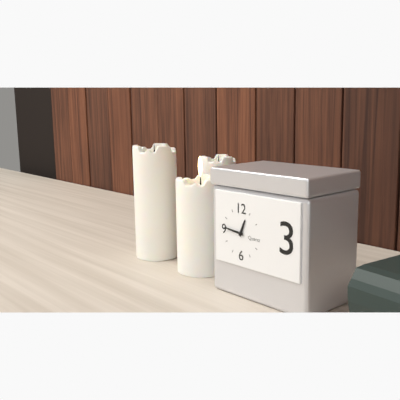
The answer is 12:46
